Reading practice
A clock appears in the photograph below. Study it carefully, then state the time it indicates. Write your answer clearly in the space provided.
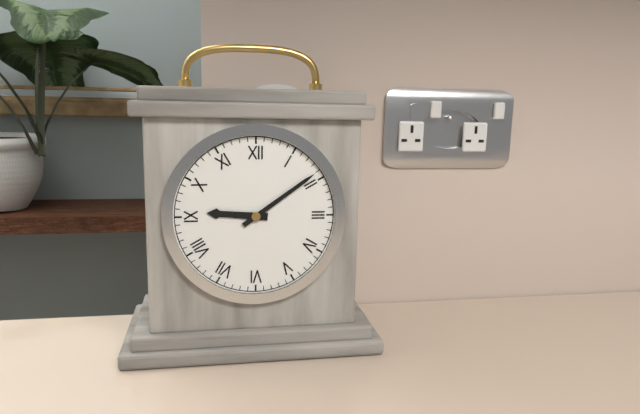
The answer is 9:09
